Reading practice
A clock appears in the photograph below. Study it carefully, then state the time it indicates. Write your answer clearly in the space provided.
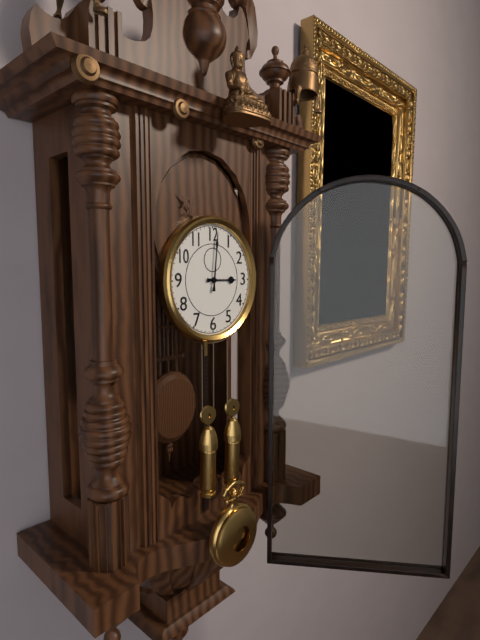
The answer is 3:01
